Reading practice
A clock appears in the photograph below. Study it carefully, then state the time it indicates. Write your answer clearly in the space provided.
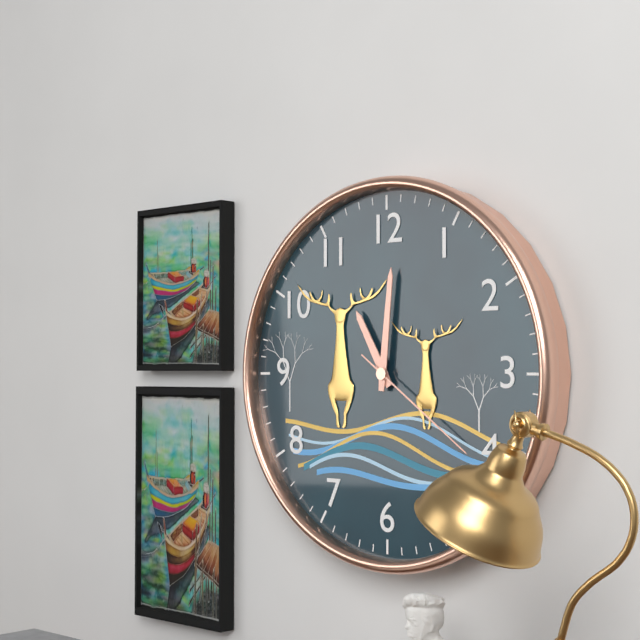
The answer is 11:01:21
